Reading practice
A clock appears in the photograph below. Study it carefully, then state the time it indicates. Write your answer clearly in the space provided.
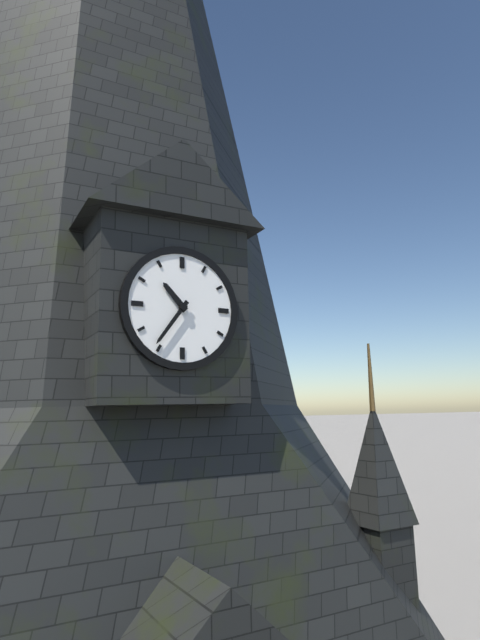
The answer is 10:36
